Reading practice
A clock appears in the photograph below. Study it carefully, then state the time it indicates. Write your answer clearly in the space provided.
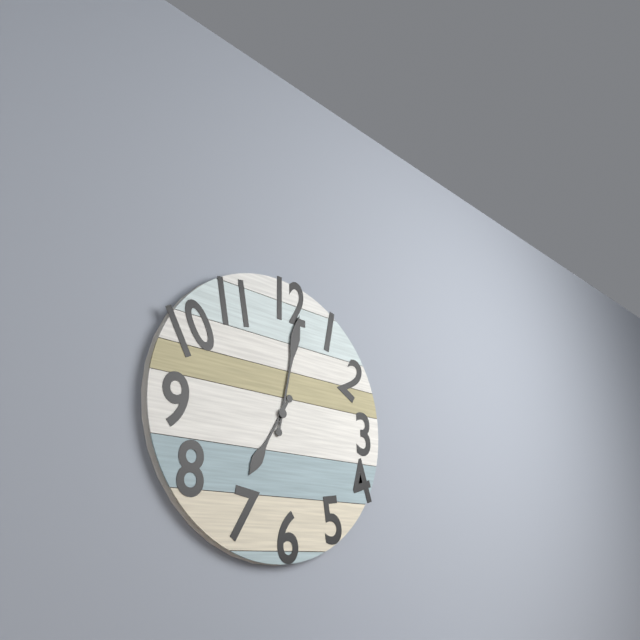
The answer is 7:02
